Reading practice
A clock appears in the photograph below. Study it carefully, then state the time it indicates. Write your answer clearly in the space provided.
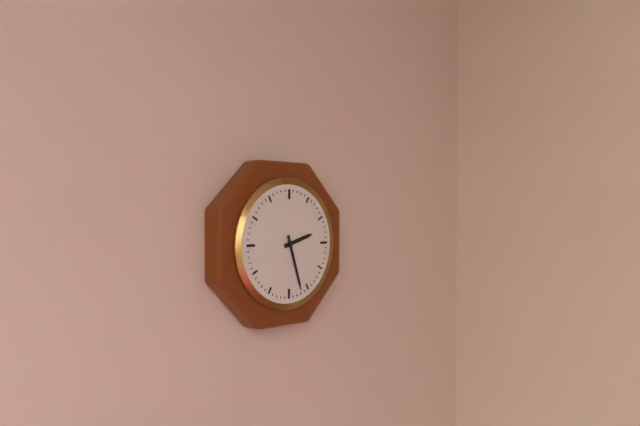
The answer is 2:27
